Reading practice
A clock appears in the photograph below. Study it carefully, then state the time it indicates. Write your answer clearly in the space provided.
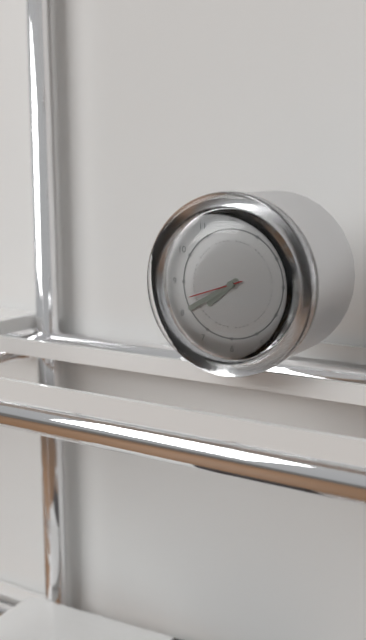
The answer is 7:40:42
